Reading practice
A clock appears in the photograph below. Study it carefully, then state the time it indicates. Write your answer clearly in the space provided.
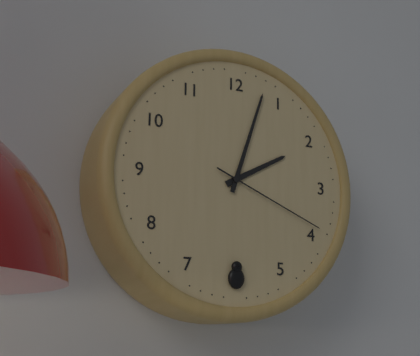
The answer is 2:03:19
